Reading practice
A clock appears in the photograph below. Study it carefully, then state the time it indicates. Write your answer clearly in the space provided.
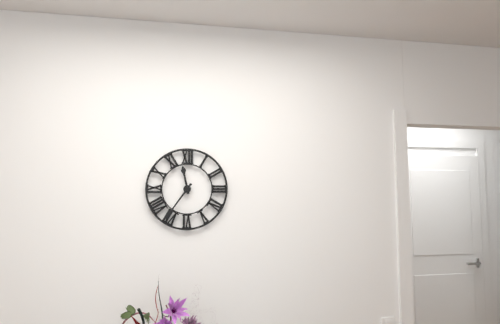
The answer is 11:36
